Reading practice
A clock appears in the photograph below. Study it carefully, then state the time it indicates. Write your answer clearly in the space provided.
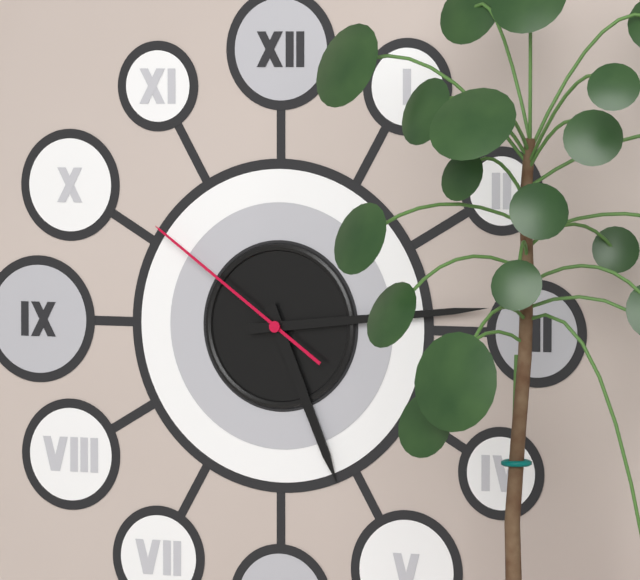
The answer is 5:14:51
